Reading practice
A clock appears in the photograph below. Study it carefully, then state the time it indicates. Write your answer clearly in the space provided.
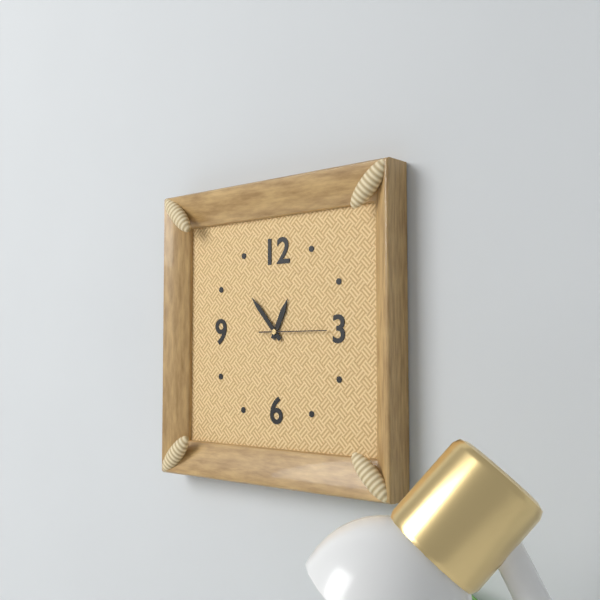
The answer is 12:53:15
